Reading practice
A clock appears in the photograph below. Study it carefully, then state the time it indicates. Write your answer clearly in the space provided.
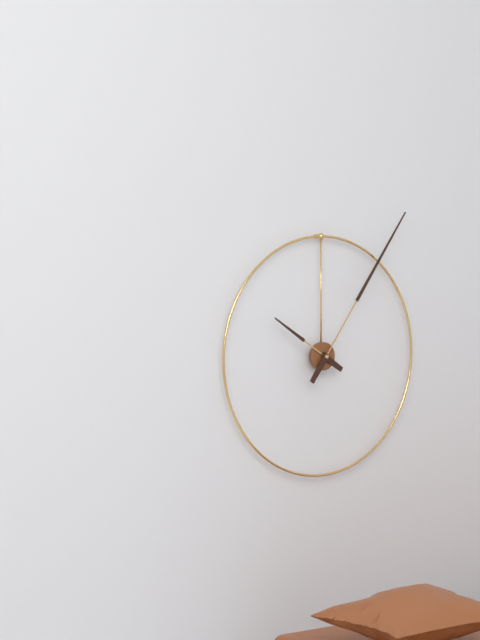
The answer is 10:06
